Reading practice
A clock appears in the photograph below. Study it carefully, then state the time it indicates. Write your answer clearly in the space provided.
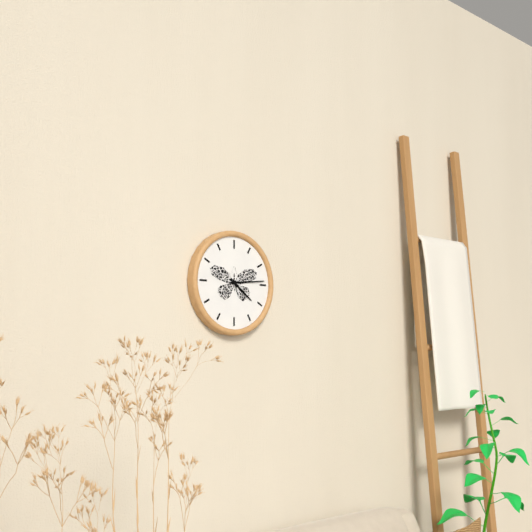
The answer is 4:14
